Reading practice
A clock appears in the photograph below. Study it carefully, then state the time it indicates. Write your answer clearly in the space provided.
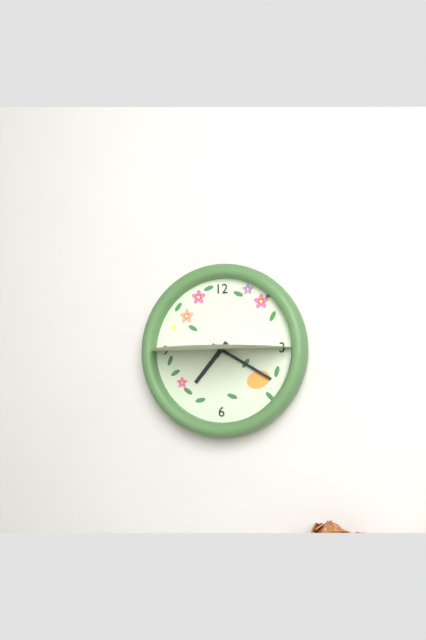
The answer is 7:20
